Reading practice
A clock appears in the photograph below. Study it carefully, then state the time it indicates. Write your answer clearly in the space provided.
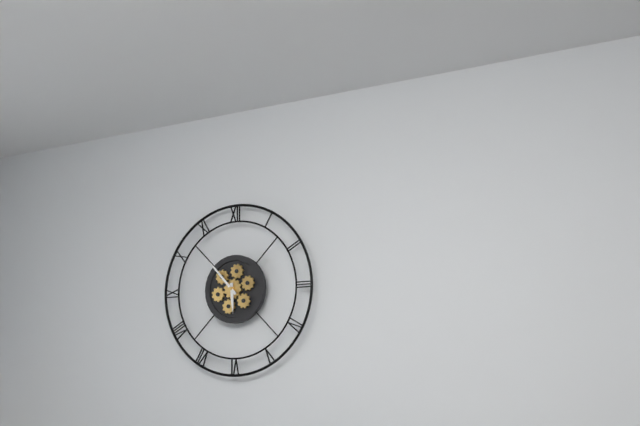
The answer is 5:53
